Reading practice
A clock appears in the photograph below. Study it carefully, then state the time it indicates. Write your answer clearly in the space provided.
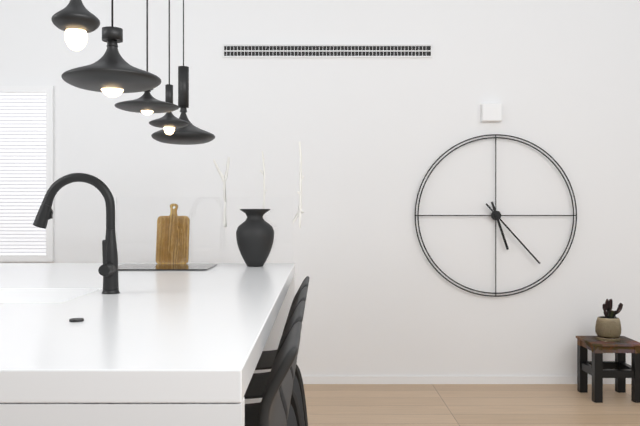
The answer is 5:23
